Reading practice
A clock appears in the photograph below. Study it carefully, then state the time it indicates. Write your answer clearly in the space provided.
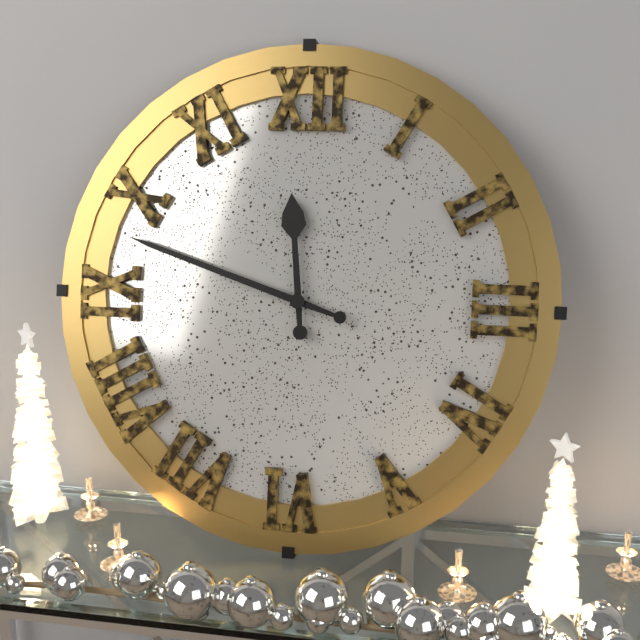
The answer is 11:48
